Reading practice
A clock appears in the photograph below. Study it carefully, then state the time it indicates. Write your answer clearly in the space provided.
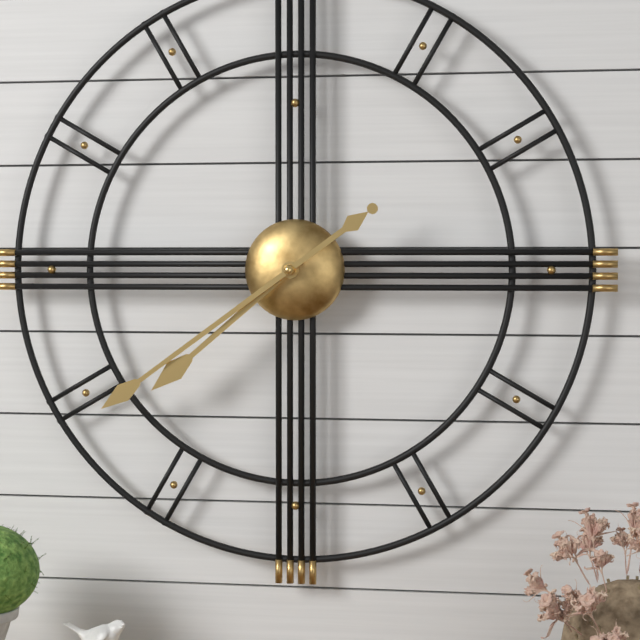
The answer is 7:39
